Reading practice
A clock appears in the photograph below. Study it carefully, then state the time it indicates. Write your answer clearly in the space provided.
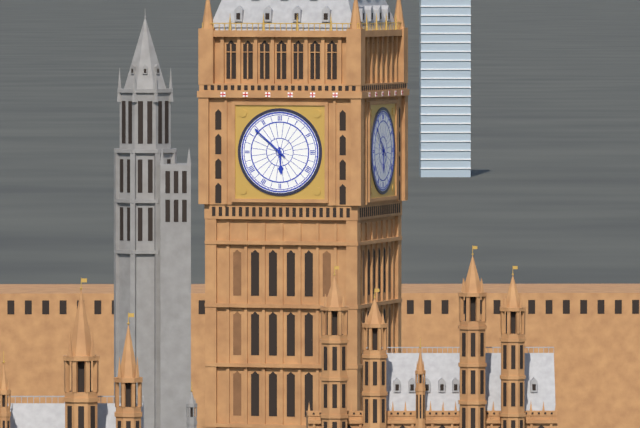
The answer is 5:52
